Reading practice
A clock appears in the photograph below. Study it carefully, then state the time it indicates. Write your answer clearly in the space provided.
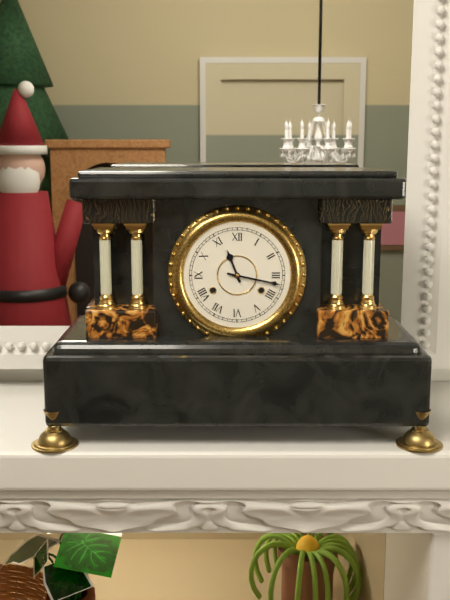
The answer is 11:17
